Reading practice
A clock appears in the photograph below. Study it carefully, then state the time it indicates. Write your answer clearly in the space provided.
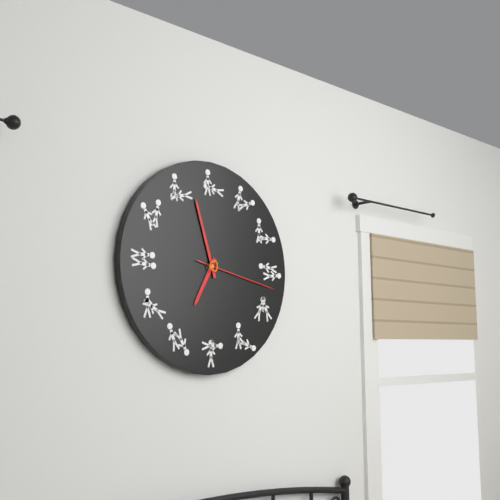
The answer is 6:57:17
